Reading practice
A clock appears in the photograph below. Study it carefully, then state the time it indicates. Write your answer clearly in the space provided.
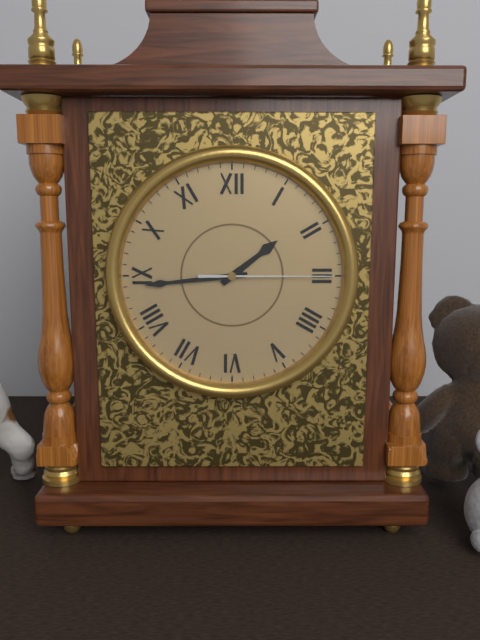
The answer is 1:44:15
